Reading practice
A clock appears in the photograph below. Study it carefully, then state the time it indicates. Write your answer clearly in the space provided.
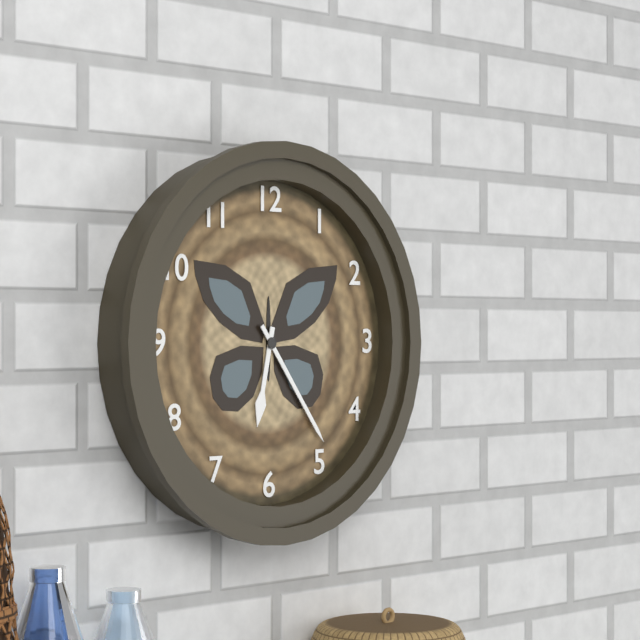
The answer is 6:24
